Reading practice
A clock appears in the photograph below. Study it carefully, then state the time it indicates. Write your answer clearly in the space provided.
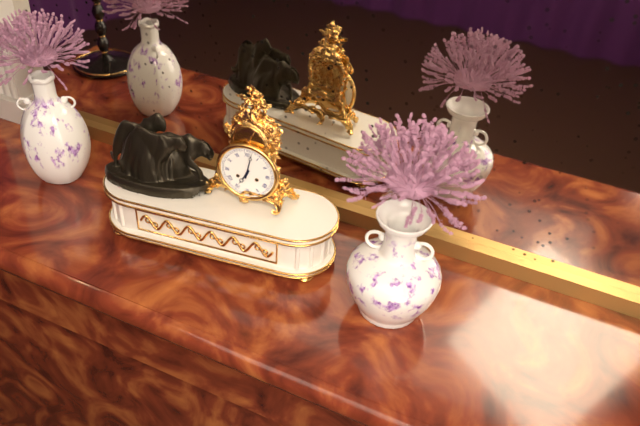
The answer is 7:02
